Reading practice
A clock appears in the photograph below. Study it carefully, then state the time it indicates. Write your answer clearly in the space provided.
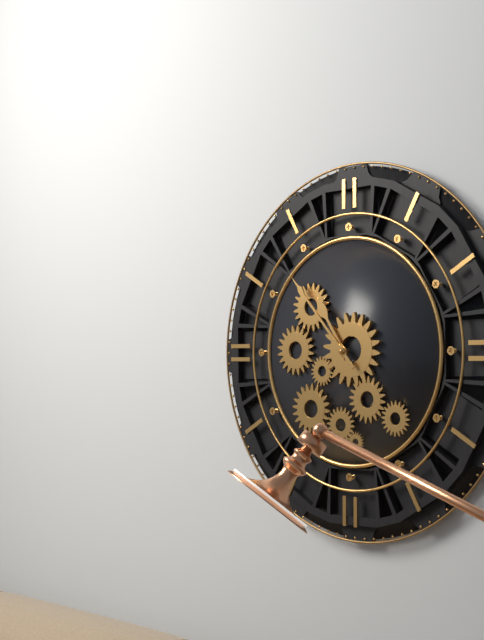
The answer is 10:53
